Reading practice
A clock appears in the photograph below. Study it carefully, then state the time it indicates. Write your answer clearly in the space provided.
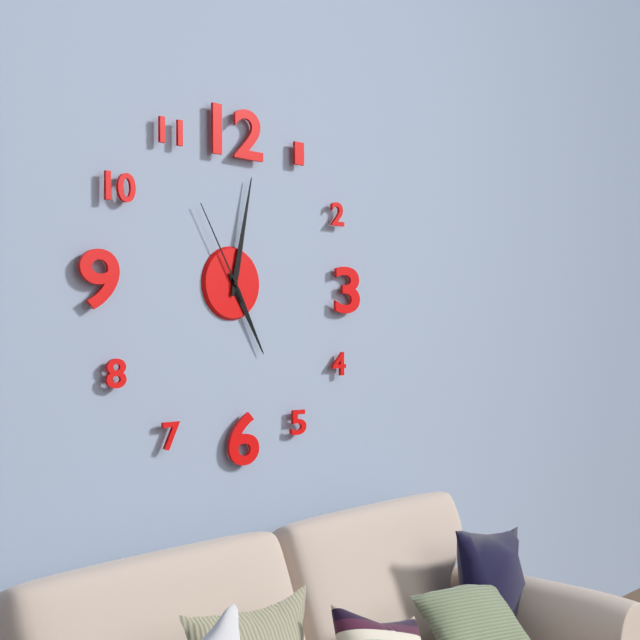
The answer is 5:02:55
